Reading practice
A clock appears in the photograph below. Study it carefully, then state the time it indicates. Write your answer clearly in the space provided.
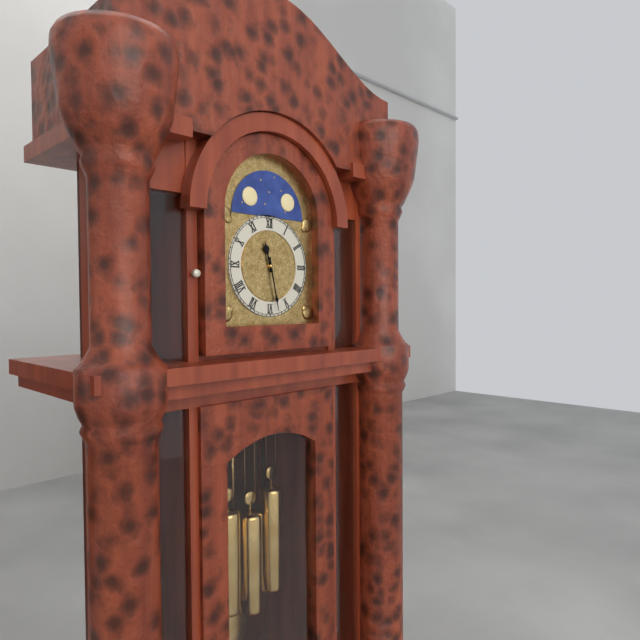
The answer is 11:28
